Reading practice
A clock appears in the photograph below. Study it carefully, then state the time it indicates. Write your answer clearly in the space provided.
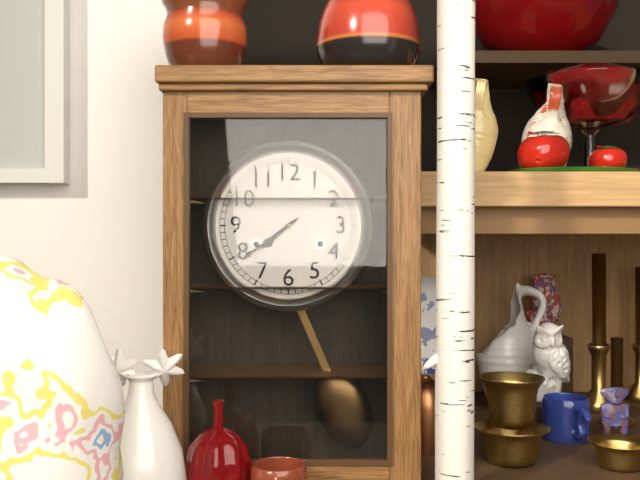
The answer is 7:39
